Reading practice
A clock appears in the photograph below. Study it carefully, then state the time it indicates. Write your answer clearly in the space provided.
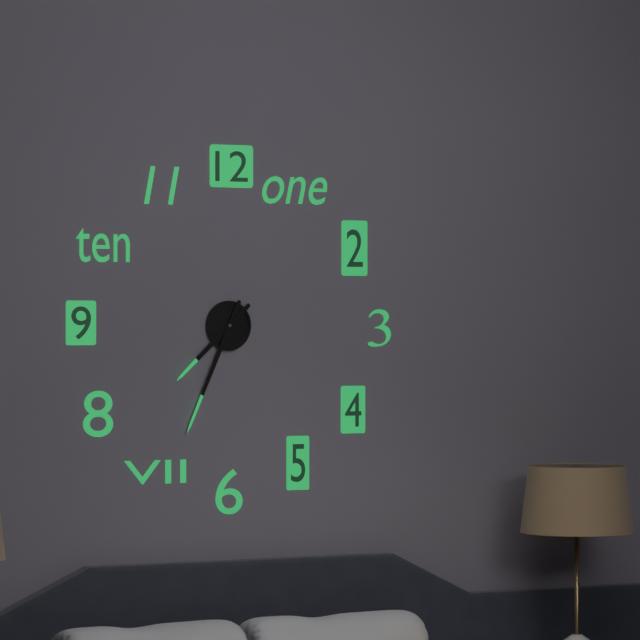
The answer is 7:34
